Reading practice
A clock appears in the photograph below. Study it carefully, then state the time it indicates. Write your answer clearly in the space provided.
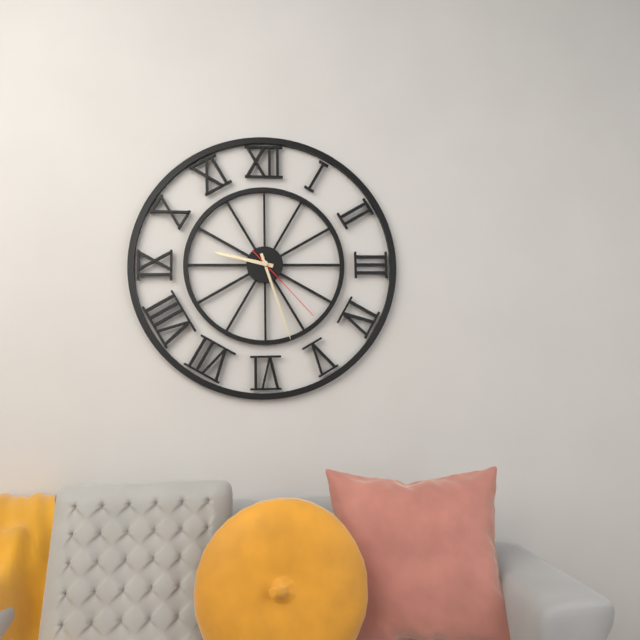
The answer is 9:27:23
